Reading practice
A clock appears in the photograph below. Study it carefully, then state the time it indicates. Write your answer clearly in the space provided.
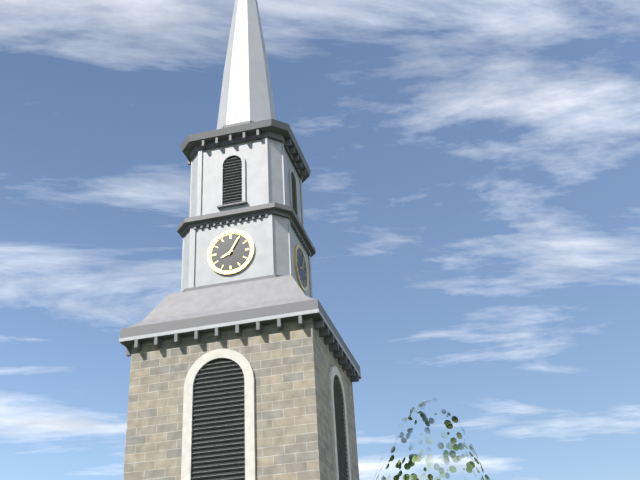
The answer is 8:05
